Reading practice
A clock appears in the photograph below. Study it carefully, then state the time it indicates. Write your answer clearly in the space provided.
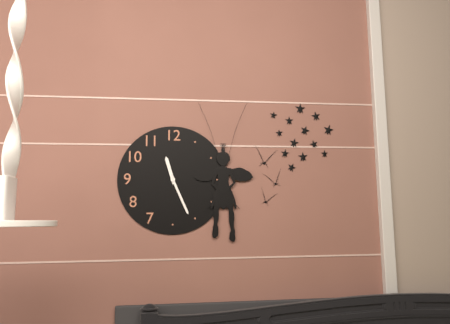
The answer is 11:26
